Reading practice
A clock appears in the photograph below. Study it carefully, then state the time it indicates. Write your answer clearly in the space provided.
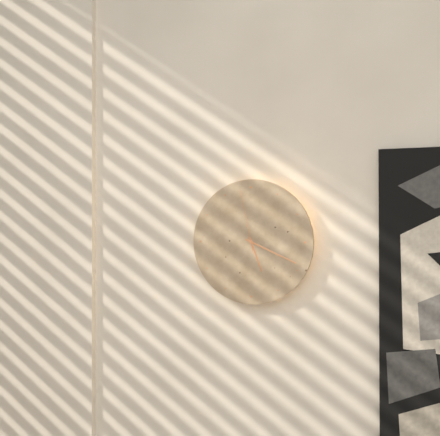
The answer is 5:19:58
